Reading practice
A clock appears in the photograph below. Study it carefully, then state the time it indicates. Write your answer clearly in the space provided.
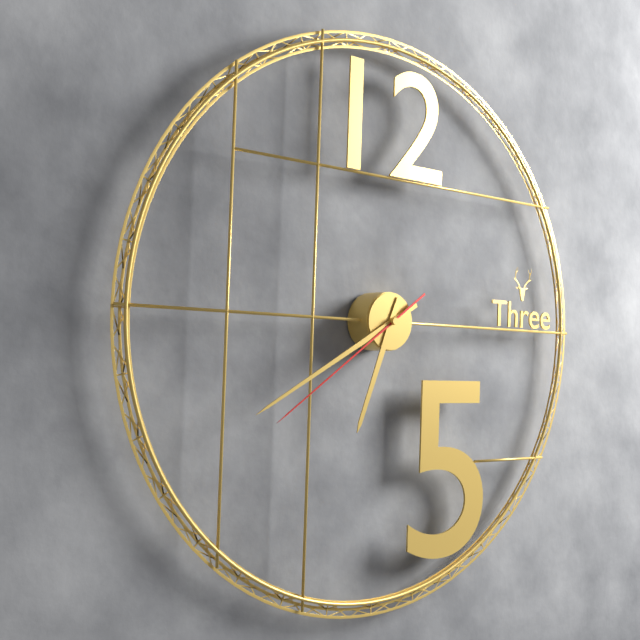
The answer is 6:40:39
